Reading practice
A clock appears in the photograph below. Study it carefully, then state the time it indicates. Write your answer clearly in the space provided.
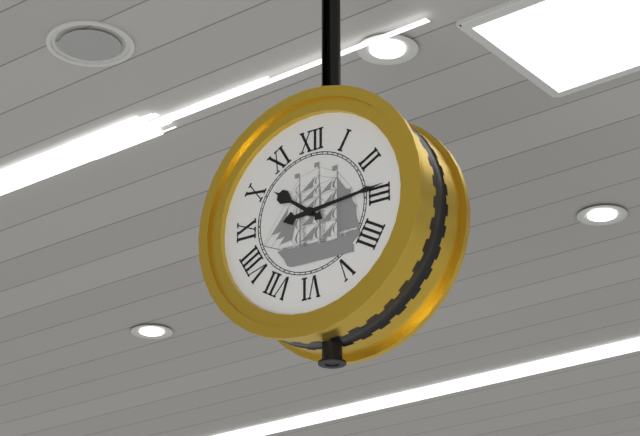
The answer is 10:14
